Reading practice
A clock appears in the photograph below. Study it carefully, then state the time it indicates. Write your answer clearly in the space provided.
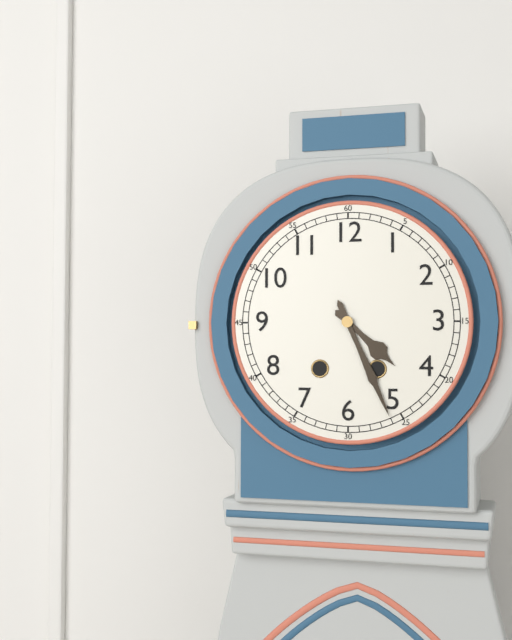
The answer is 4:26
